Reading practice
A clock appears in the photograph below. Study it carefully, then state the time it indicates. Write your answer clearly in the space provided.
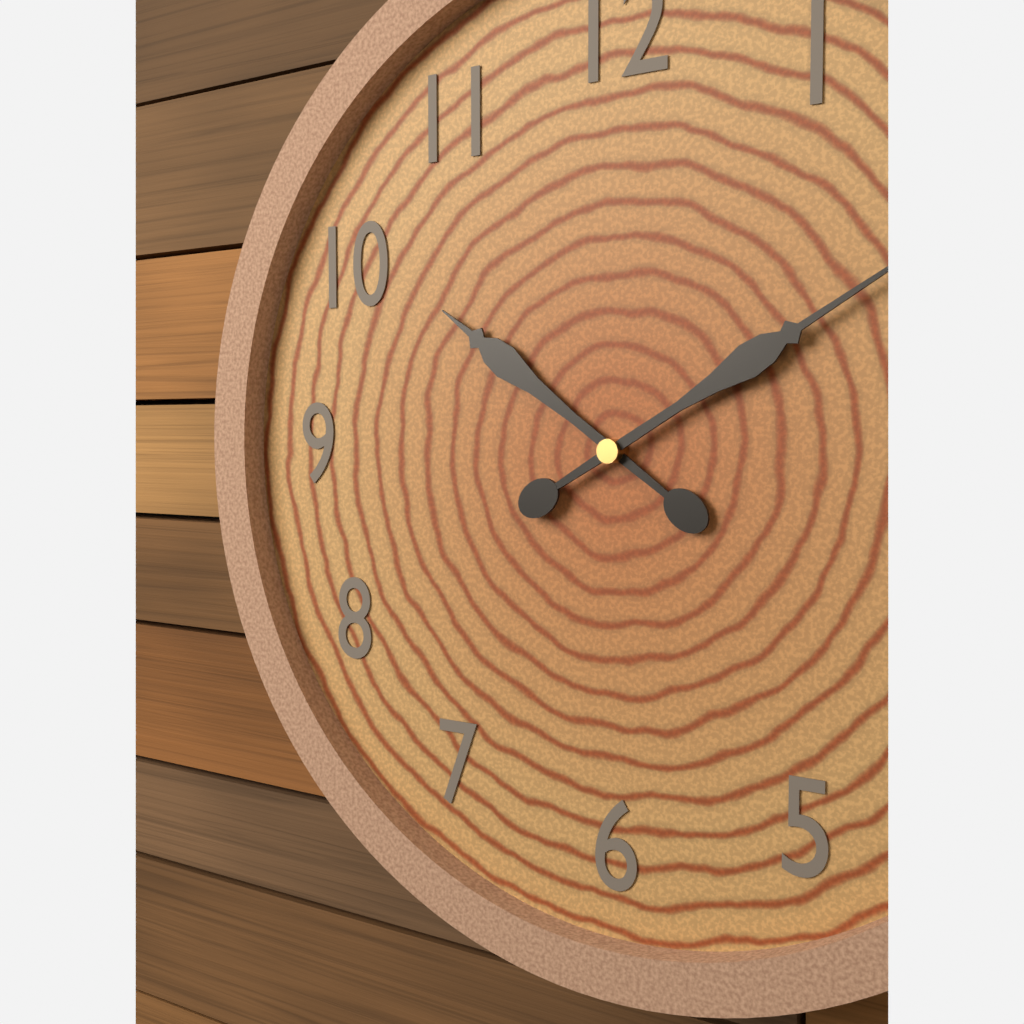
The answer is 10:10
